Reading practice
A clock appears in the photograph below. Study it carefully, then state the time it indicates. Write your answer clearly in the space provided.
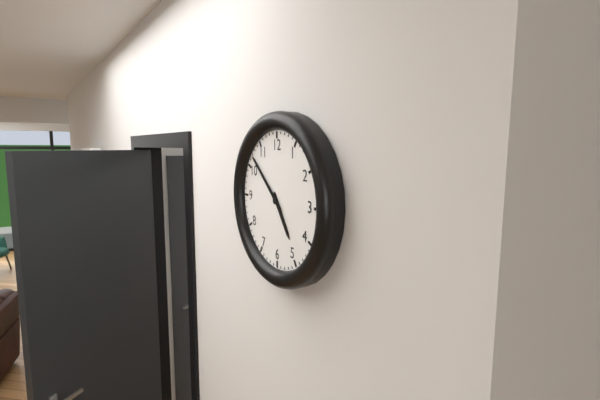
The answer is 4:52
